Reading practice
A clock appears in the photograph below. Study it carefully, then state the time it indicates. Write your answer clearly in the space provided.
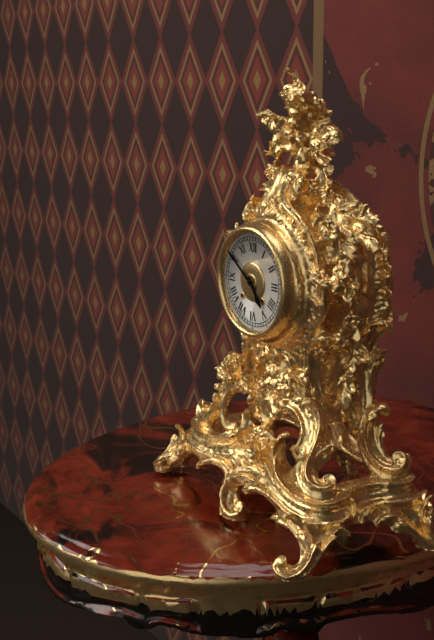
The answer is 4:51
